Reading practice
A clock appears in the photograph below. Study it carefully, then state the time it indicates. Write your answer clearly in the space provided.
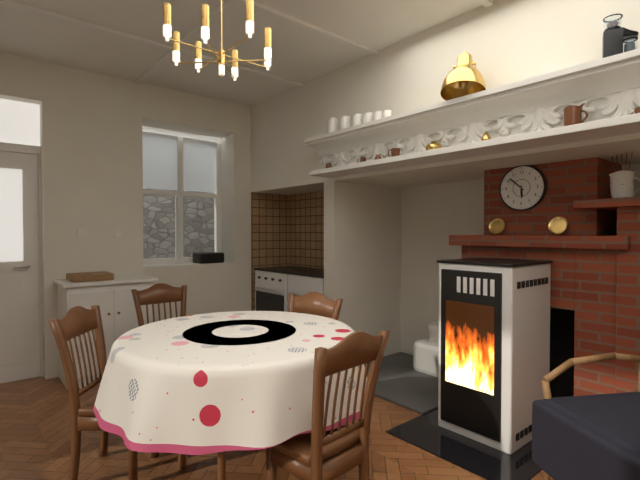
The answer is 5:52
